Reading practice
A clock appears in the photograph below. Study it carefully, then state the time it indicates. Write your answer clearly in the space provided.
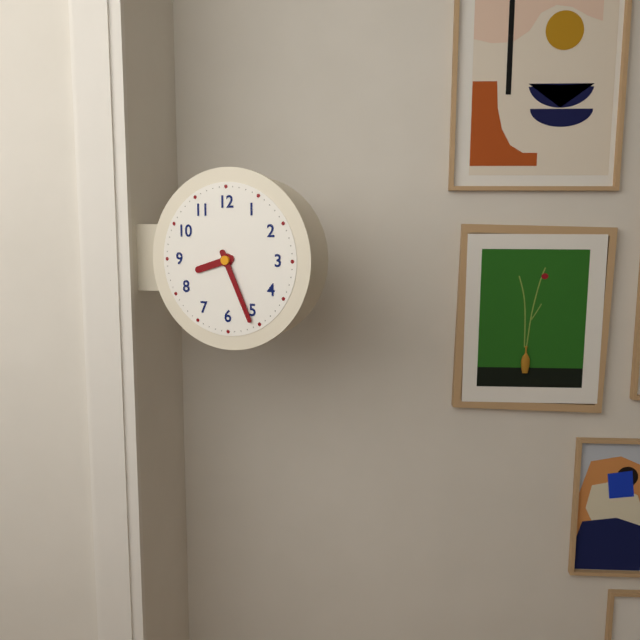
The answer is 8:26
